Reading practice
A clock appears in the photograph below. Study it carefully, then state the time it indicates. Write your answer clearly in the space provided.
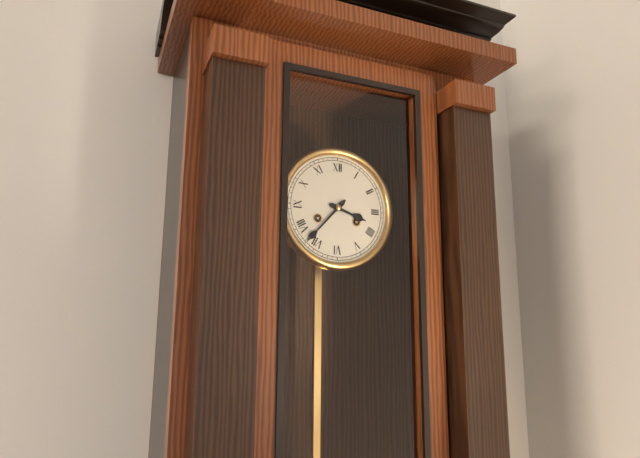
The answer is 3:37
